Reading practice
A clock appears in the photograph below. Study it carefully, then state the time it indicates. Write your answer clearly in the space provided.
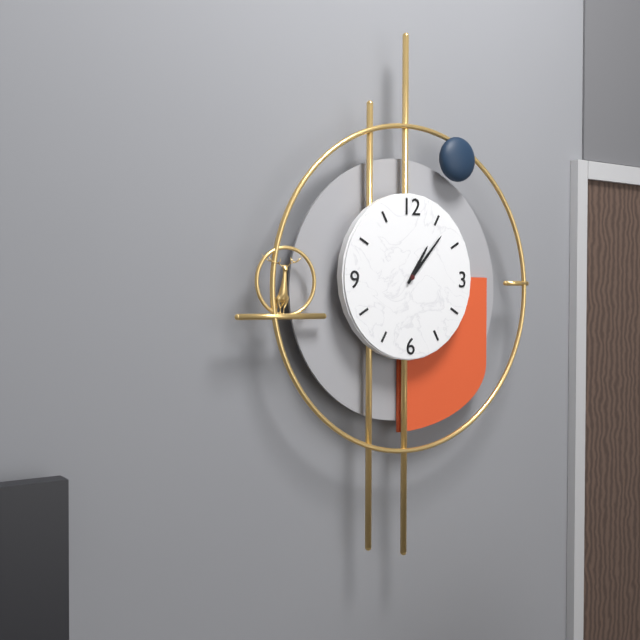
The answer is 1:07
